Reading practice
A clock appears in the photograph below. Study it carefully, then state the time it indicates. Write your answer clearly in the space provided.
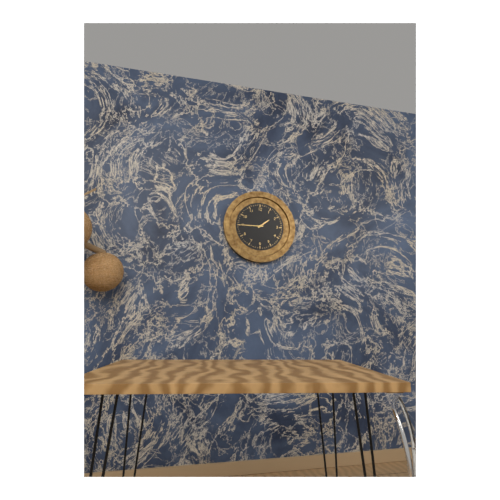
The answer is 1:45
